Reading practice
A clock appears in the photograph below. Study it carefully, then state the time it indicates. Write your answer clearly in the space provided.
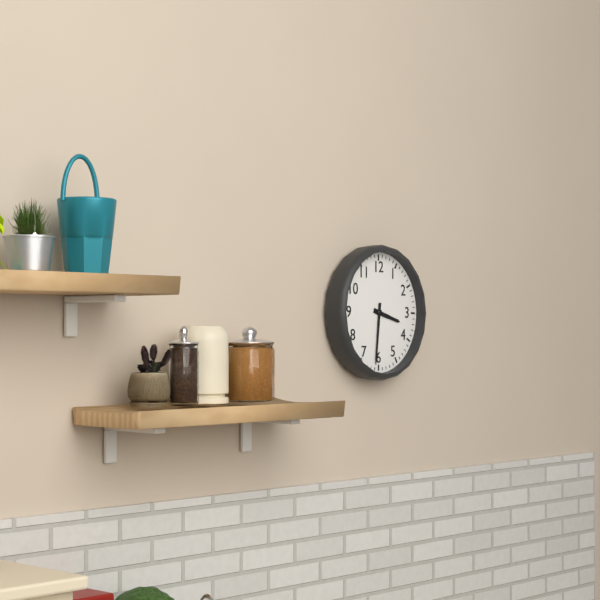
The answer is 3:31
